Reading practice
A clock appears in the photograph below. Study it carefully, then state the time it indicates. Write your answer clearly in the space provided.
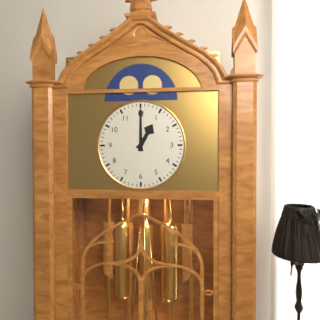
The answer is 1:00
